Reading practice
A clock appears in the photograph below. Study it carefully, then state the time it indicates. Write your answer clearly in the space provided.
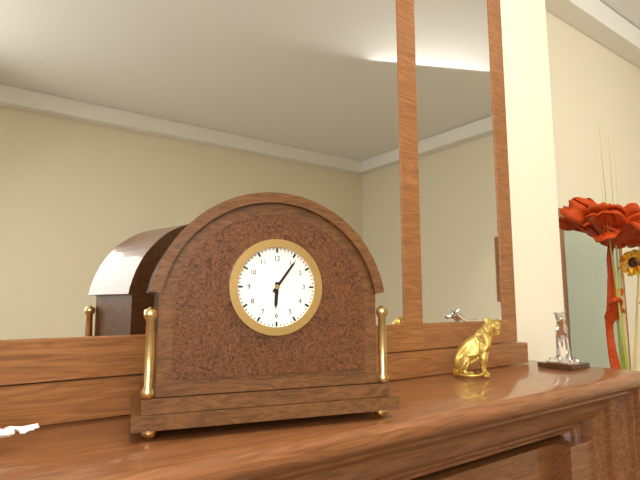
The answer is 6:06
